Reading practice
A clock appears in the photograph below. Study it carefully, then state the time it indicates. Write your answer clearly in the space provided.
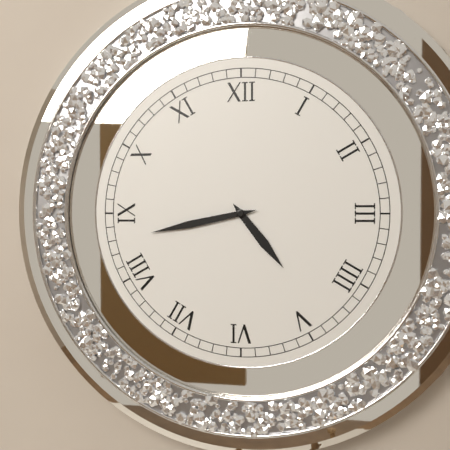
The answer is 4:43
